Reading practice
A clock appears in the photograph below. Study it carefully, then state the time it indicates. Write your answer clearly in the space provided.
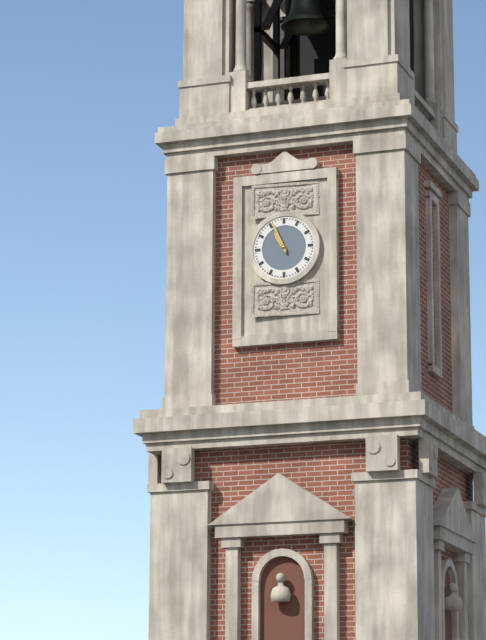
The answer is 10:56
